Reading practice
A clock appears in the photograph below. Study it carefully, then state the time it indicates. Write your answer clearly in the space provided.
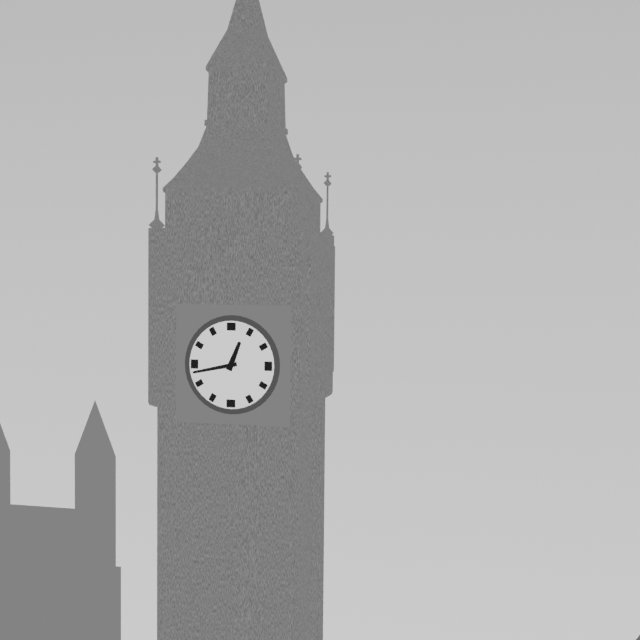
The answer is 12:43
